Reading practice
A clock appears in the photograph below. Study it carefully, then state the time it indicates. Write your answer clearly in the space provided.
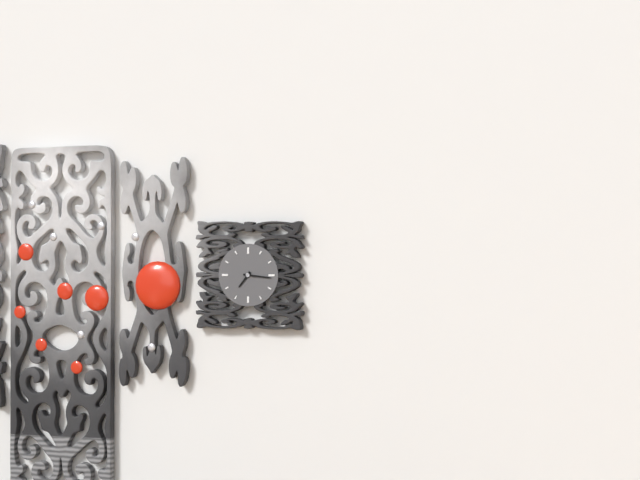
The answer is 7:16
